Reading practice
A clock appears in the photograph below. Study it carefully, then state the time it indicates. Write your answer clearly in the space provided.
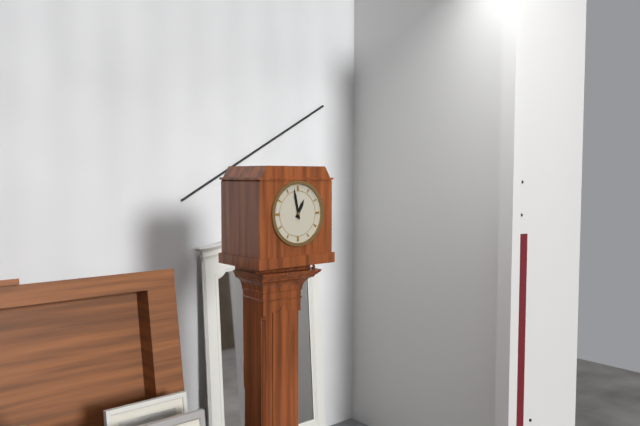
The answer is 12:58
